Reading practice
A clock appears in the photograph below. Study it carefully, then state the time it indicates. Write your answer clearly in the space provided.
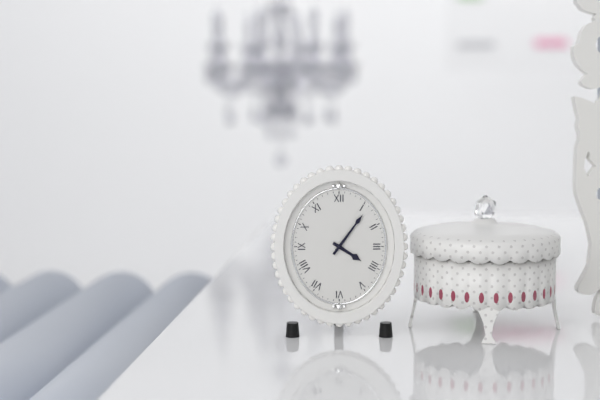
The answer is 4:06
